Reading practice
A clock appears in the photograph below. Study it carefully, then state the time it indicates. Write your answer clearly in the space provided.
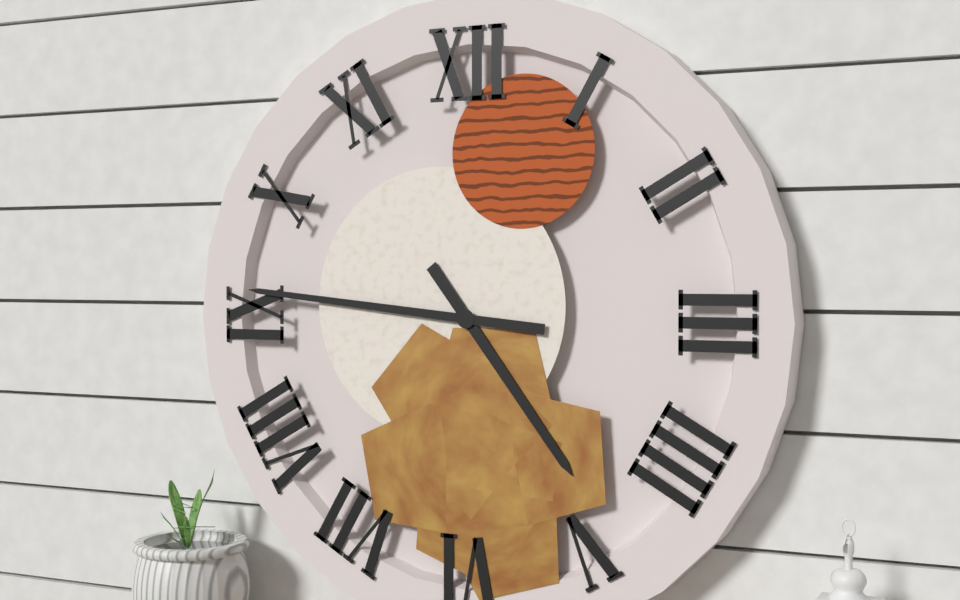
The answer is 4:46
